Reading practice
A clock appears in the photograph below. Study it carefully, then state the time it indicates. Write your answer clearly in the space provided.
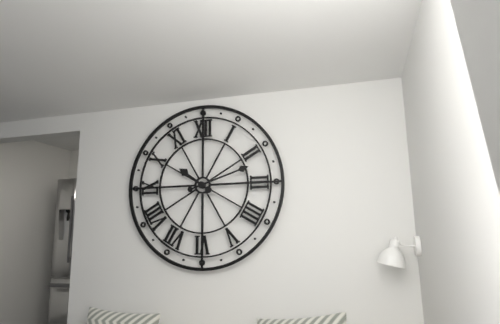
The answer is 10:12
